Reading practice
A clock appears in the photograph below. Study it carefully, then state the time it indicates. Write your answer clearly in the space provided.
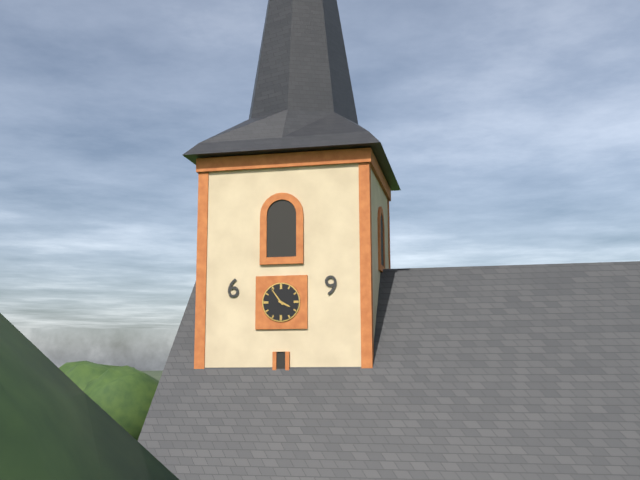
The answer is 3:54
